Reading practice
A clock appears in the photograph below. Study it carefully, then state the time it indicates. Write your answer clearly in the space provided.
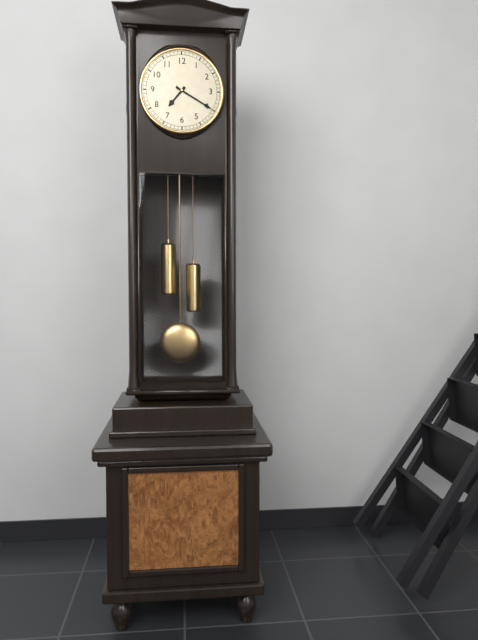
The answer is 7:20
